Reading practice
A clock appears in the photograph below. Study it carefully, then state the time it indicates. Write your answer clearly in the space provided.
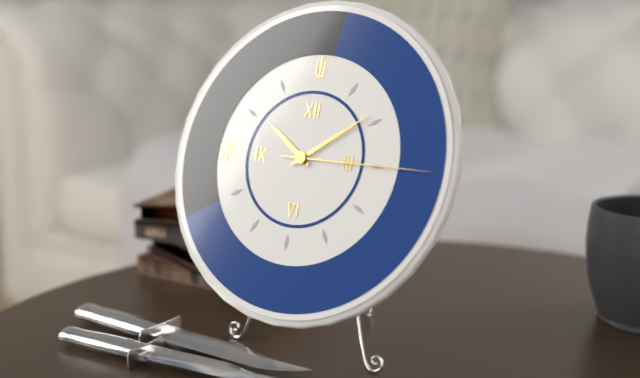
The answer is 10:09:15
